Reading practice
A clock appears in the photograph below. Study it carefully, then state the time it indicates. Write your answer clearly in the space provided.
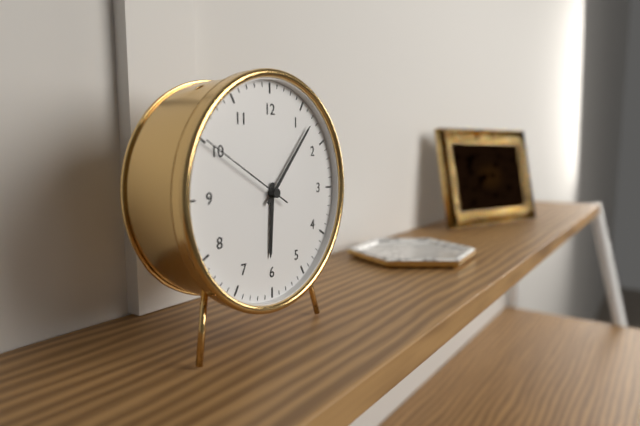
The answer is 6:07:50
